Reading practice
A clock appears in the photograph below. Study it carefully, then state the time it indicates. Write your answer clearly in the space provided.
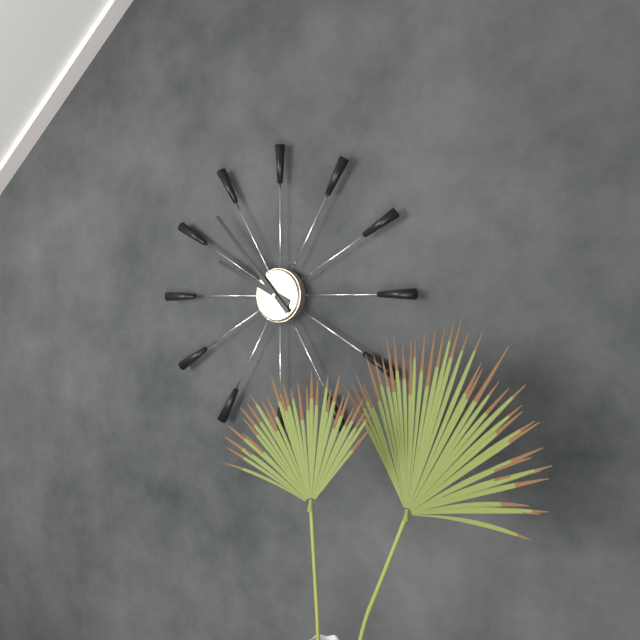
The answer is 9:53
